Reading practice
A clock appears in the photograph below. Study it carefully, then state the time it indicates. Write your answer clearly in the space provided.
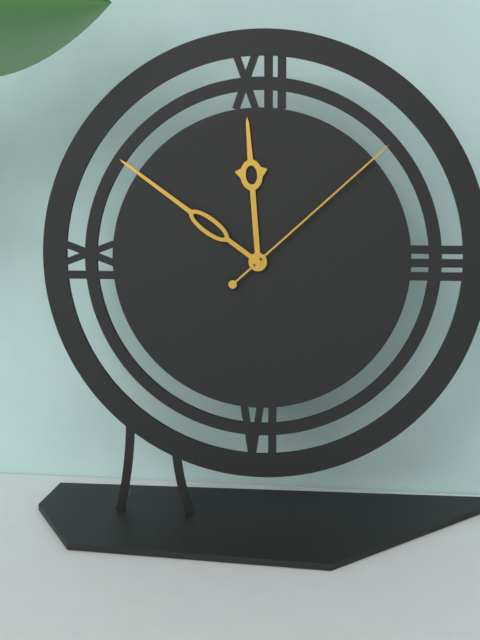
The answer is 11:51:08
